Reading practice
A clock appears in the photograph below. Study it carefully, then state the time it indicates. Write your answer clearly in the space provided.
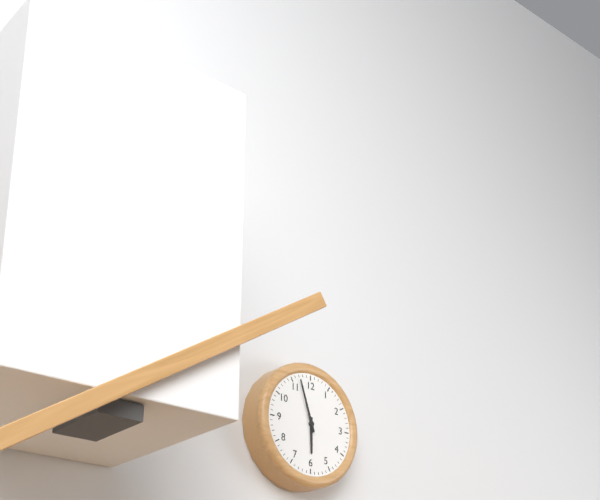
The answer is 5:57
